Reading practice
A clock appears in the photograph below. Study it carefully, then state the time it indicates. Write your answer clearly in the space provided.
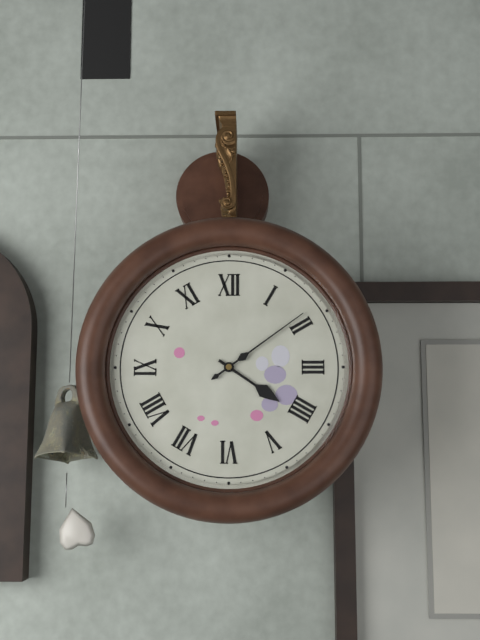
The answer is 4:09
